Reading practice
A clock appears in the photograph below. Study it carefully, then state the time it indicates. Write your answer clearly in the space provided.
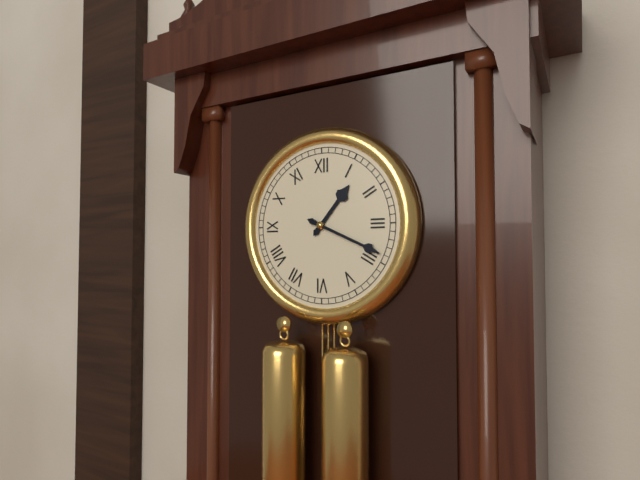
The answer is 1:19
